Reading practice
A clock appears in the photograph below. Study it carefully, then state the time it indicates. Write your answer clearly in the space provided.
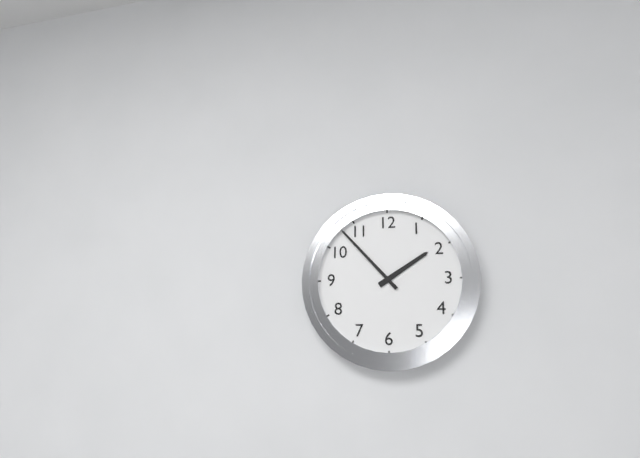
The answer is 1:53
